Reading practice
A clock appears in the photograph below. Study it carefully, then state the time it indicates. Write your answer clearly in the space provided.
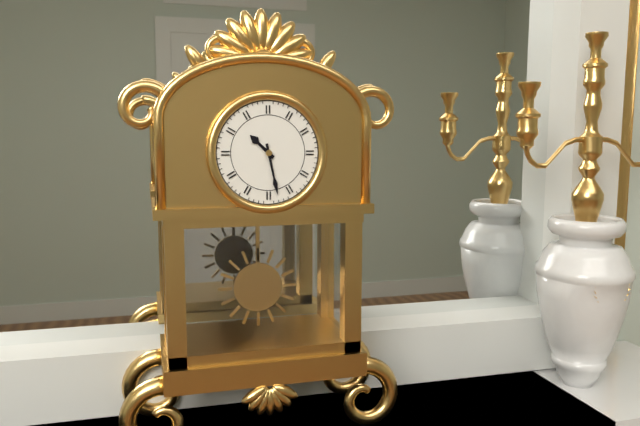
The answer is 10:28
